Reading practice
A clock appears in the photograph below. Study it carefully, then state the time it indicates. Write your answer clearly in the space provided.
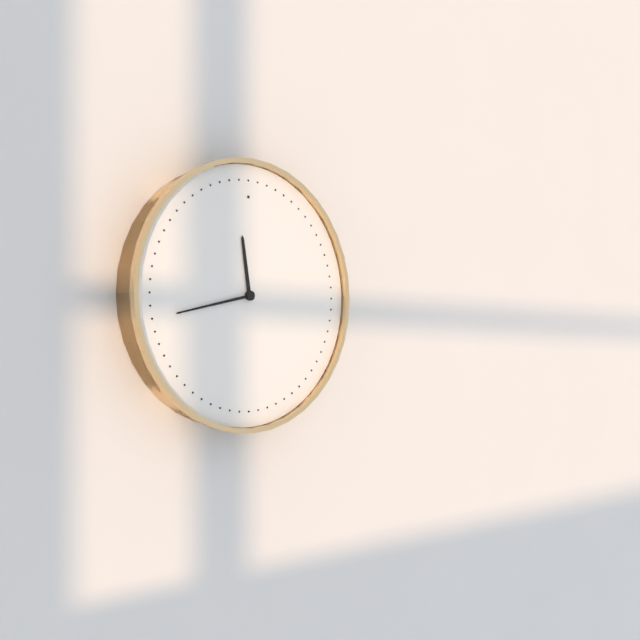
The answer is 11:43
